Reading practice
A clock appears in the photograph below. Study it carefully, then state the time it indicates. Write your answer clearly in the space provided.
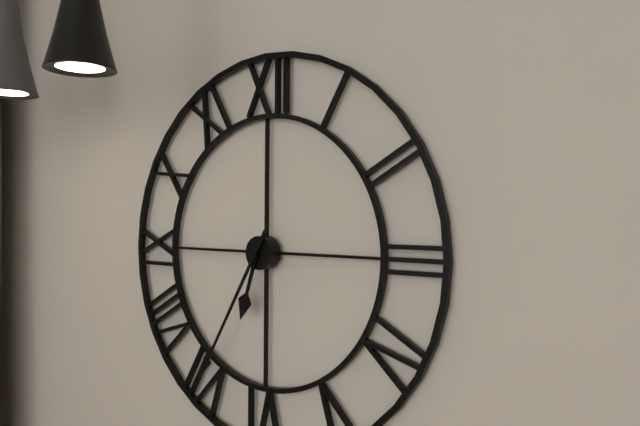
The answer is 6:35
